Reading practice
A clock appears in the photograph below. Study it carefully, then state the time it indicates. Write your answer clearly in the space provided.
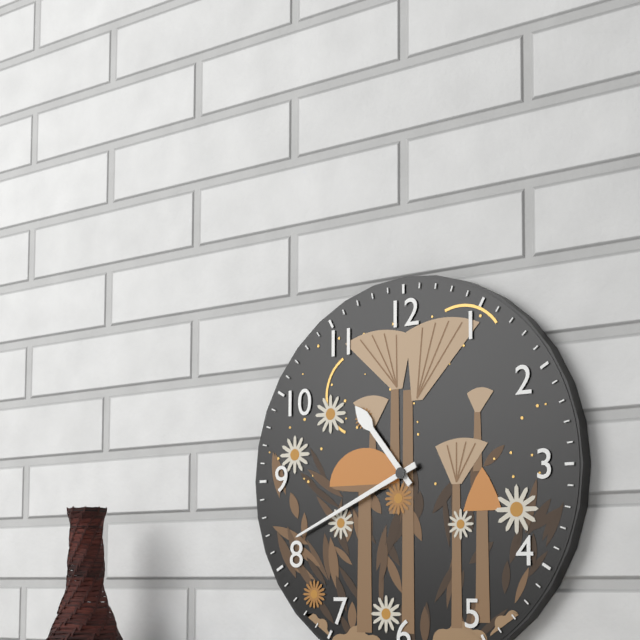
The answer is 10:41
